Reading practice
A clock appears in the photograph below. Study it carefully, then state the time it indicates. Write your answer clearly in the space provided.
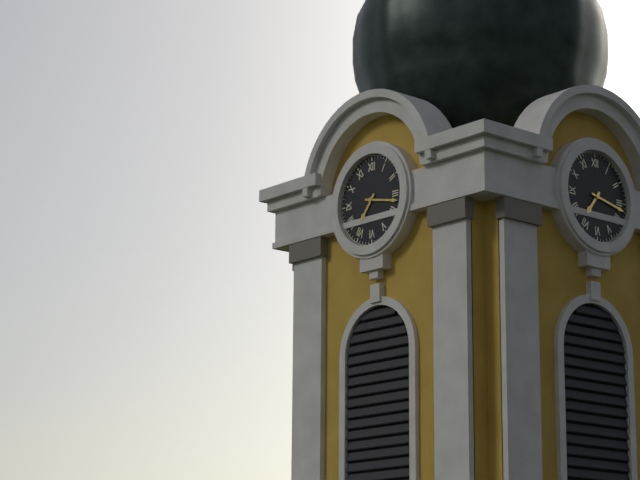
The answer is 7:17
